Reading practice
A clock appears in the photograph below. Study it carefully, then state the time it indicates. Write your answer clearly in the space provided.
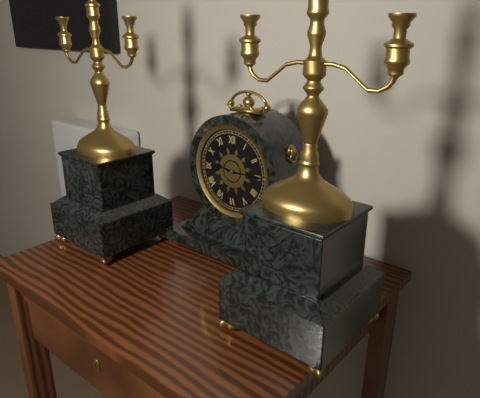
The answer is 9:15
